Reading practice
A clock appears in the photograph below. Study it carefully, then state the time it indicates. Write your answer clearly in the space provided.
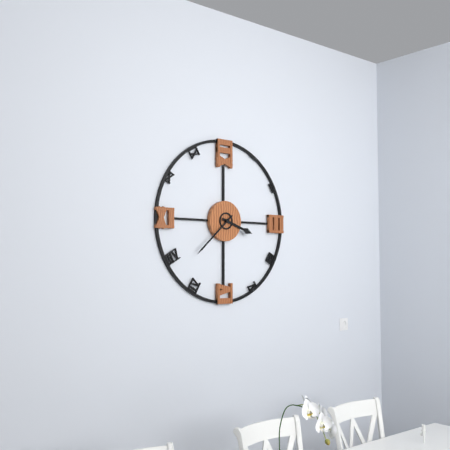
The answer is 3:38
